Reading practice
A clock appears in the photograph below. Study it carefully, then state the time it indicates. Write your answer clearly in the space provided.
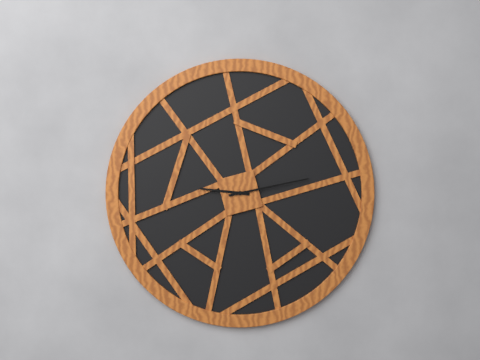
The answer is 9:13
